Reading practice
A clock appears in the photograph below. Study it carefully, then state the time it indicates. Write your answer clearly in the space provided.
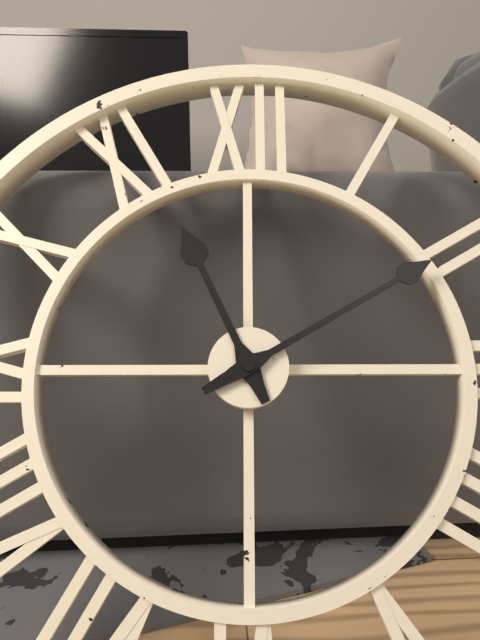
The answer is 11:10
